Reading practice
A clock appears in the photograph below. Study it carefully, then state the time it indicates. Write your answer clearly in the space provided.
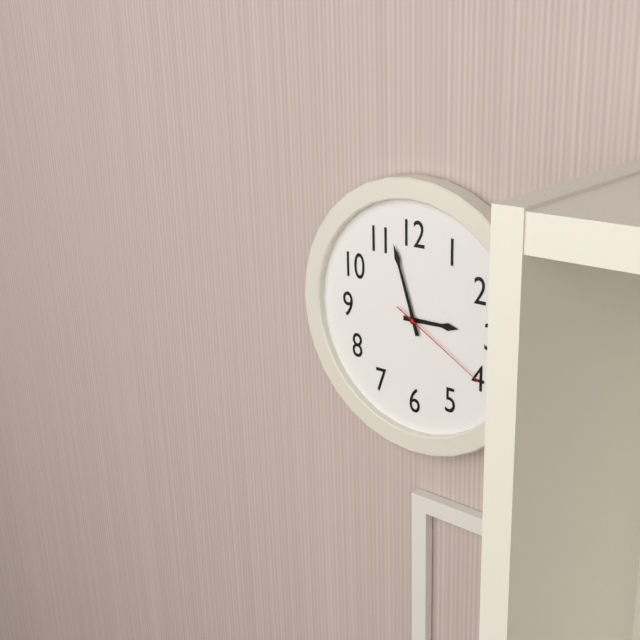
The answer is 2:57:20
